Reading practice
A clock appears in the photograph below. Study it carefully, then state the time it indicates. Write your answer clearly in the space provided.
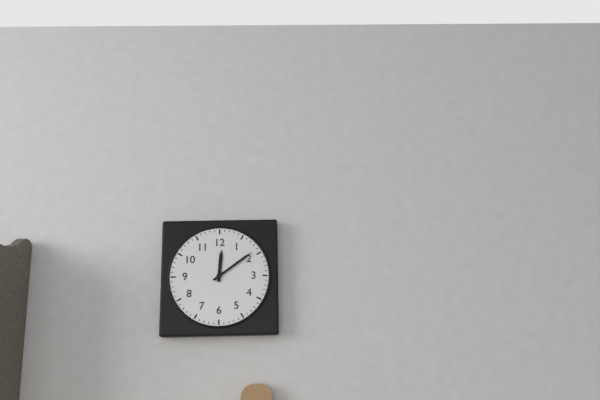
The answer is 12:09
